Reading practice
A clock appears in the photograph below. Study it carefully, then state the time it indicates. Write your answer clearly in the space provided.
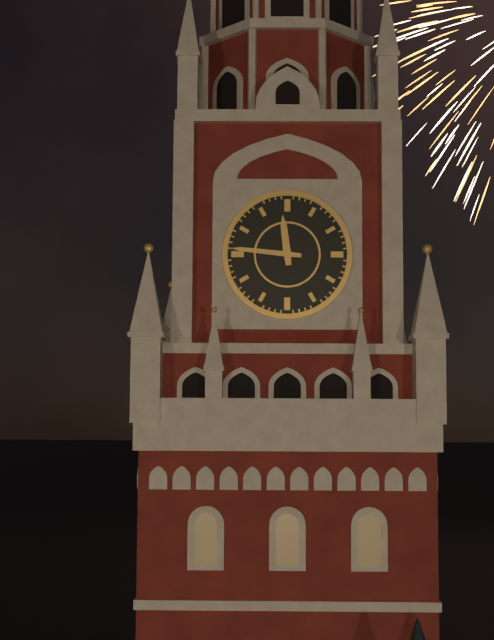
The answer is 11:46
